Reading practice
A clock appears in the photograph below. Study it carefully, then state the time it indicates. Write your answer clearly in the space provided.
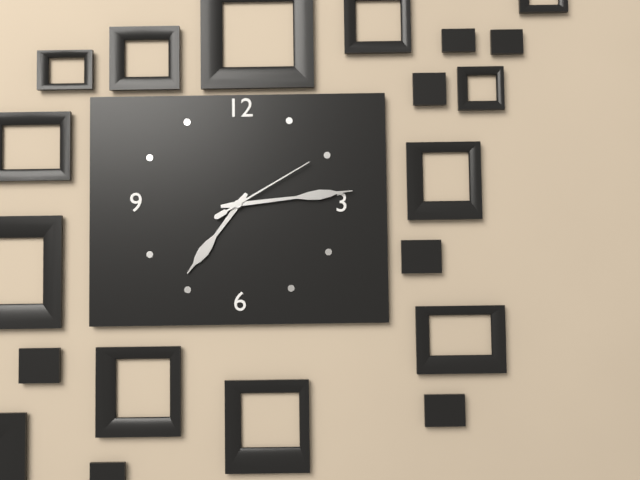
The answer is 7:14:10
